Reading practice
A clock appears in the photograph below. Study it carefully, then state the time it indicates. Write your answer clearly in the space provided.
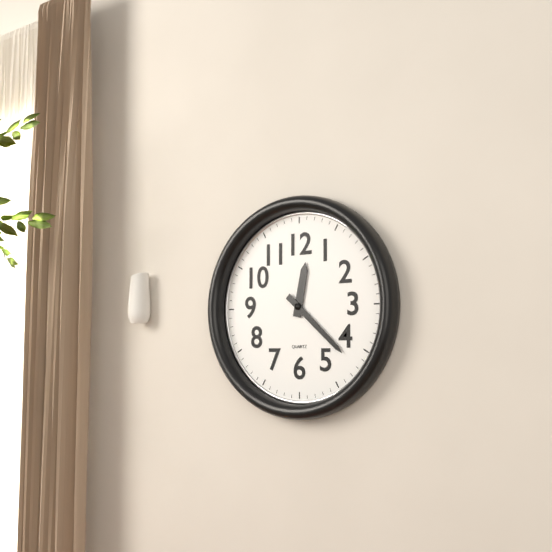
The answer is 12:22
